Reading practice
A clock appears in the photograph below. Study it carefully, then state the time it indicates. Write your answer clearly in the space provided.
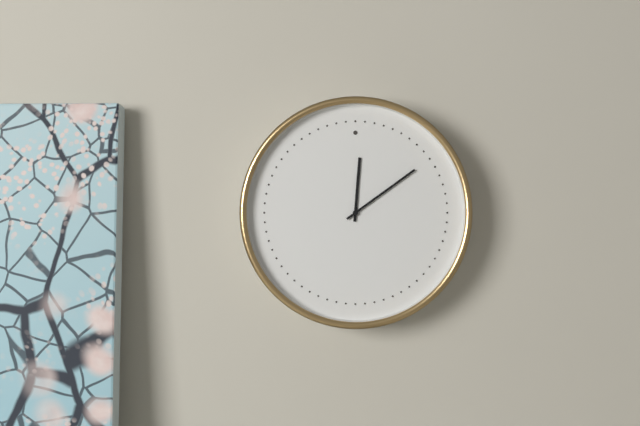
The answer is 12:09
